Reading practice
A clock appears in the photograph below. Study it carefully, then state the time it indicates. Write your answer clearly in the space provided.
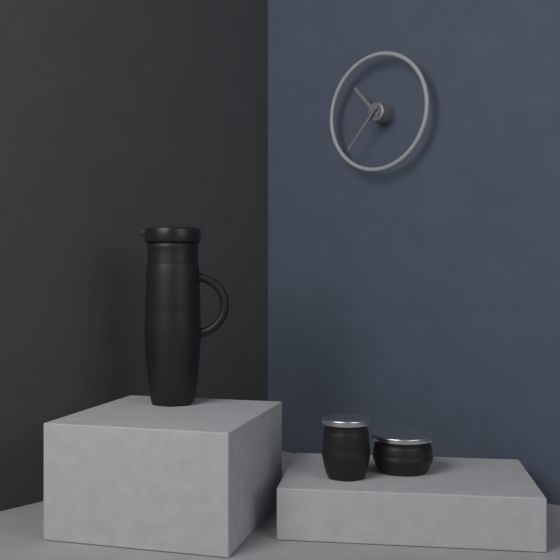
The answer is 10:37
